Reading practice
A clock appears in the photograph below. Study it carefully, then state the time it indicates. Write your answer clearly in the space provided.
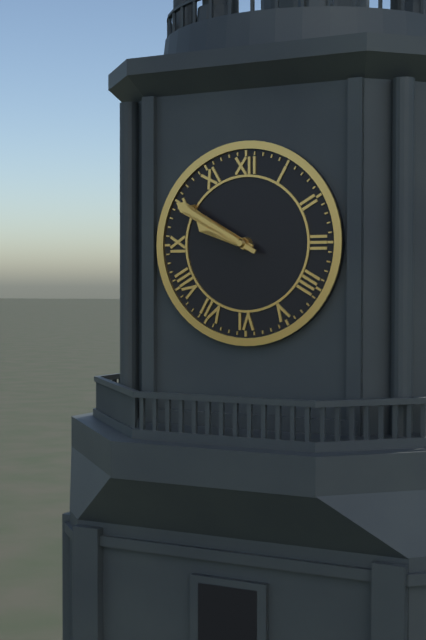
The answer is 9:50
